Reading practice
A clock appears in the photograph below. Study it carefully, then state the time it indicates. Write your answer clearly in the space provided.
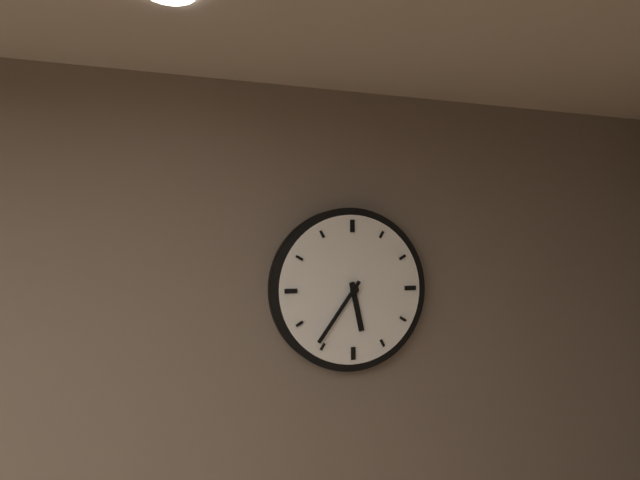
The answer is 5:36
